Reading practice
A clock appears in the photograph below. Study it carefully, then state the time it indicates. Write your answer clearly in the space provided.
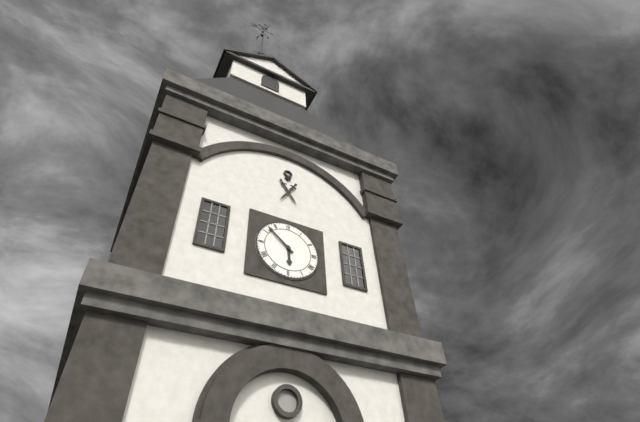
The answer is 5:52
